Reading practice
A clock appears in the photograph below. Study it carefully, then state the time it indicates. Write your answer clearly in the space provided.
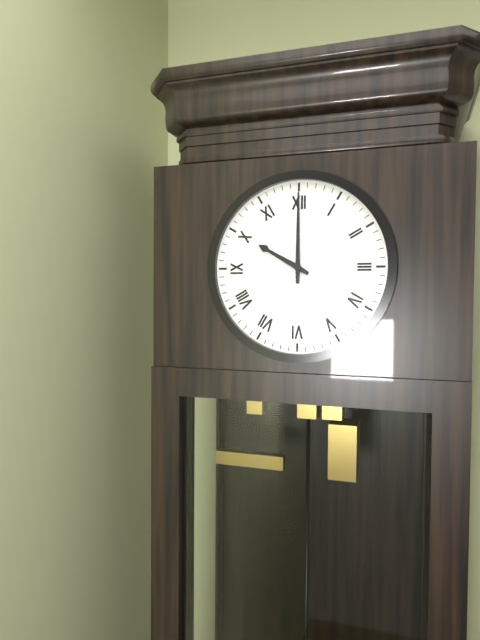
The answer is 10:00
